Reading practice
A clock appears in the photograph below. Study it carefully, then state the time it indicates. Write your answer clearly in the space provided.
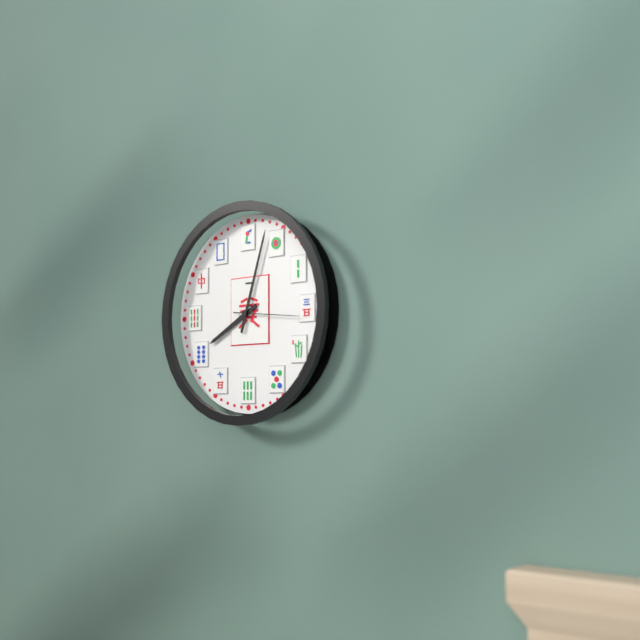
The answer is 8:03:16
